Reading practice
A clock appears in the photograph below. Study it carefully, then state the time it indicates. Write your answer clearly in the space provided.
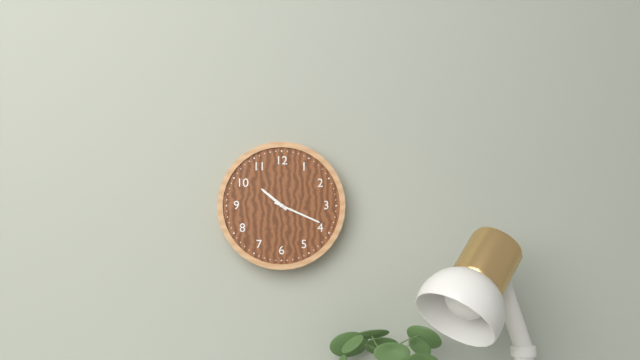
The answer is 10:19
